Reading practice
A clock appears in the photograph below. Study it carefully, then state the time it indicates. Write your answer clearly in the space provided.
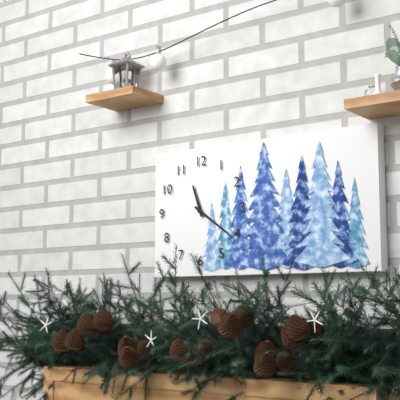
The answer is 11:21
